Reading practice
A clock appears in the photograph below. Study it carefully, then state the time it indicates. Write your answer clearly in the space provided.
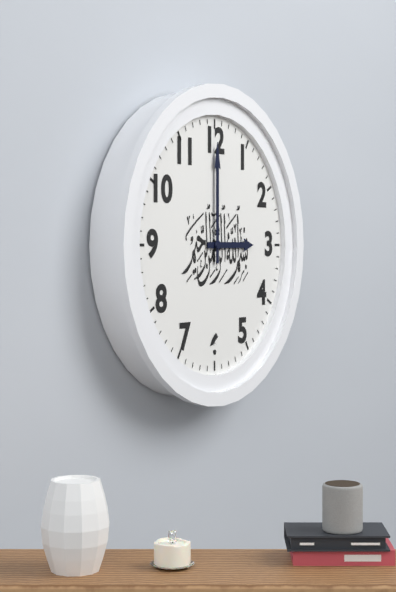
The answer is 3:00
